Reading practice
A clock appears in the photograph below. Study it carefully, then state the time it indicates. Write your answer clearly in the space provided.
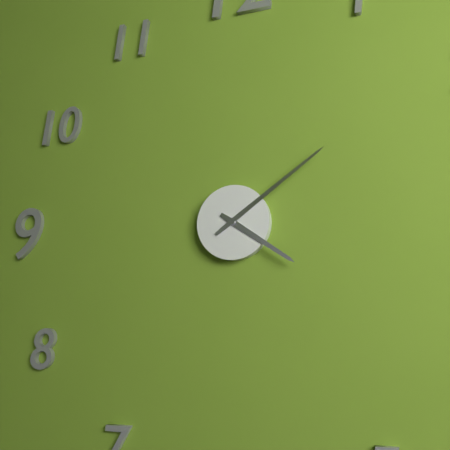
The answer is 4:09
